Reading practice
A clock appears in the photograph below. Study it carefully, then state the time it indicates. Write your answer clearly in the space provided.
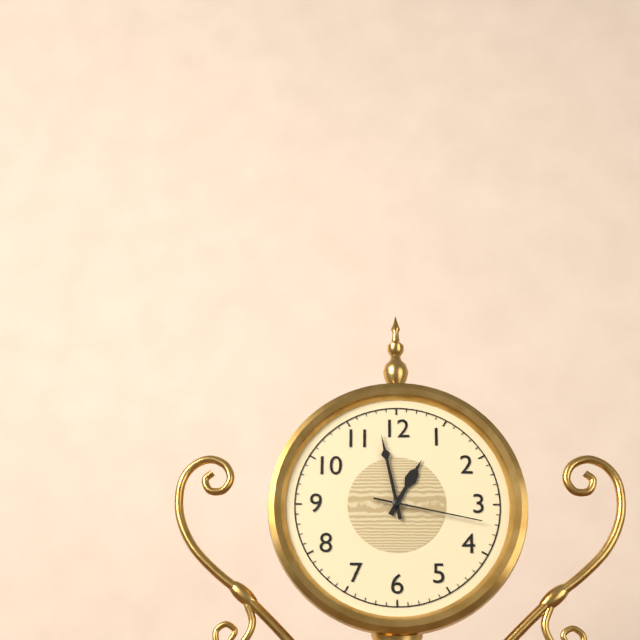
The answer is 12:58:17
